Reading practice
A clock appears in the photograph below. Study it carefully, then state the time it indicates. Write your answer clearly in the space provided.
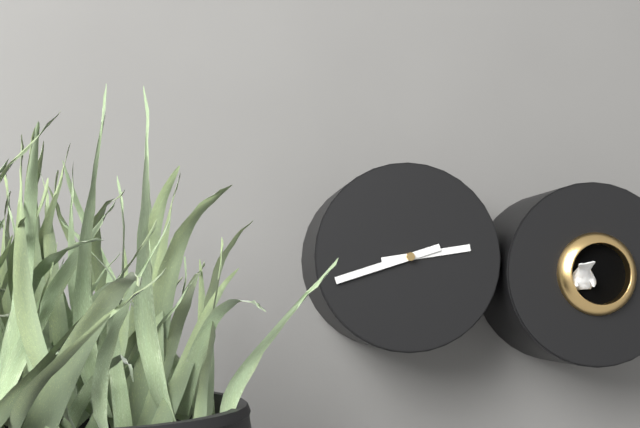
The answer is 2:42
